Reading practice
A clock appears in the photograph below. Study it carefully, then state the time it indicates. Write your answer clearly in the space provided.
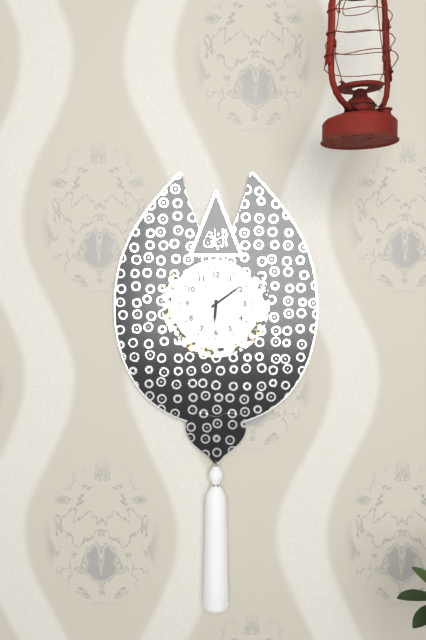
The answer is 6:09
